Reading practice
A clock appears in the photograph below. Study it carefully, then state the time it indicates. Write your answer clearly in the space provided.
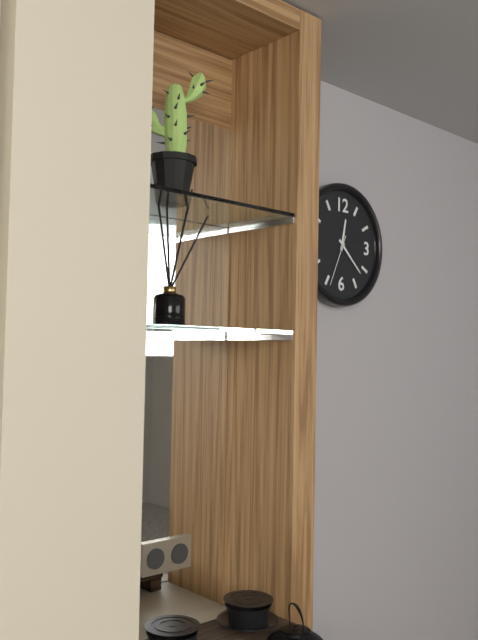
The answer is 12:22
